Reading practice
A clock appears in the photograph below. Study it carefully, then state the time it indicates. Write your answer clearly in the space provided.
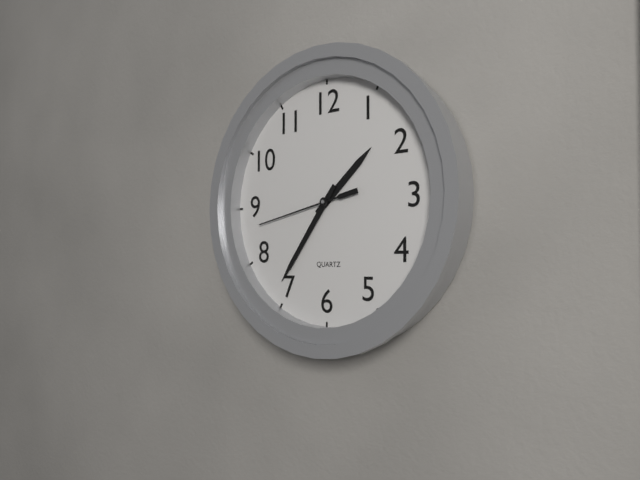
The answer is 1:36:43
